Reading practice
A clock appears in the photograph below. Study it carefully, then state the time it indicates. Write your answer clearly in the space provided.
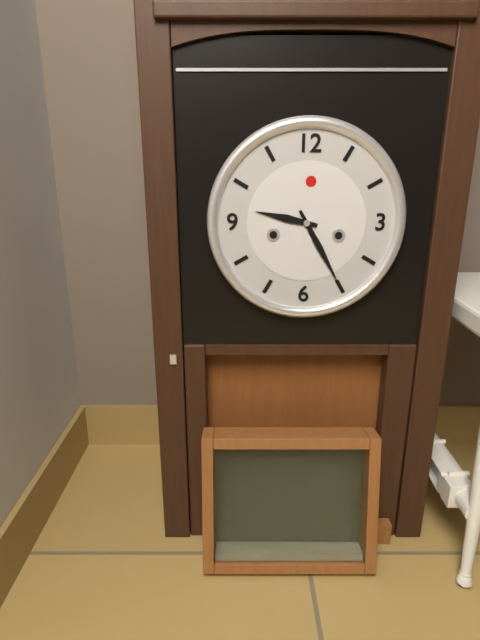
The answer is 9:25
